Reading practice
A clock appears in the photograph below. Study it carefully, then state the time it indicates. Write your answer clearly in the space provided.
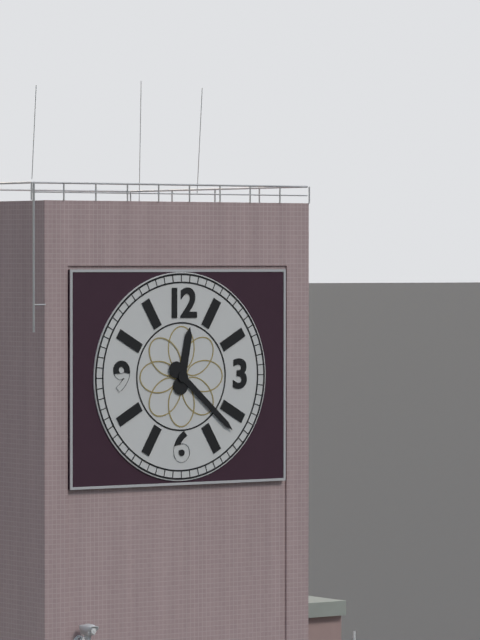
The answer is 12:22
